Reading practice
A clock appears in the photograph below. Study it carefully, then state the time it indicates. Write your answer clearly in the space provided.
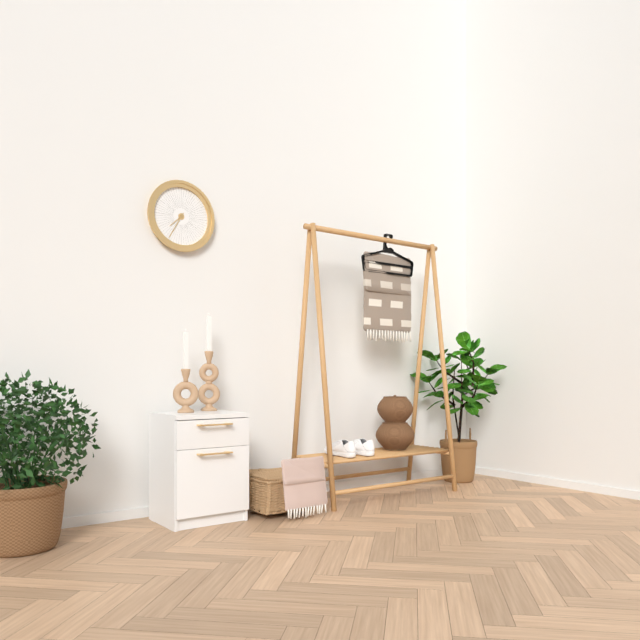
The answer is 7:35
